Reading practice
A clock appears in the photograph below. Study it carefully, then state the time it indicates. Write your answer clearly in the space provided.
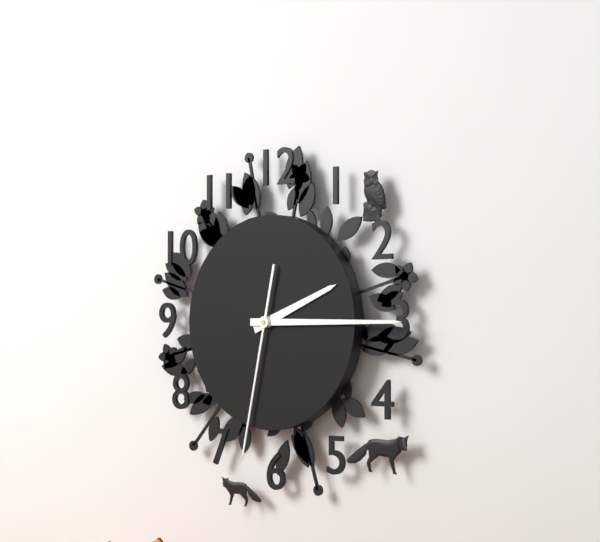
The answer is 2:15:32
